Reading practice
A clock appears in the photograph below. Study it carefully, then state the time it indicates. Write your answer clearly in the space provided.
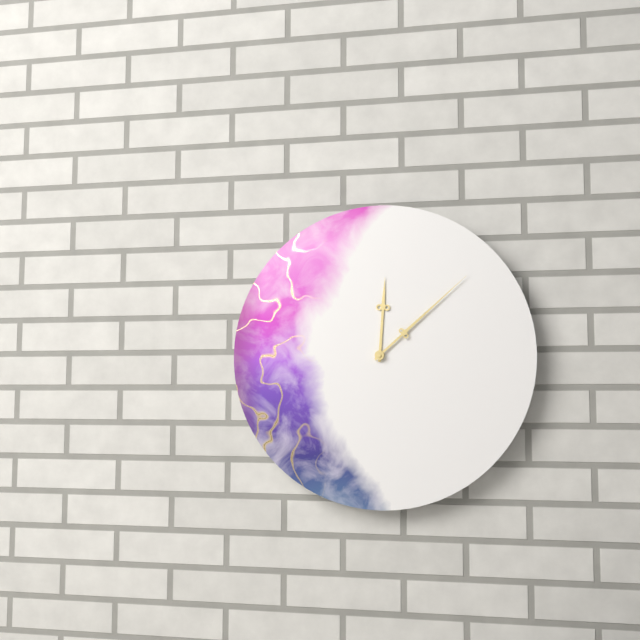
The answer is 12:08
